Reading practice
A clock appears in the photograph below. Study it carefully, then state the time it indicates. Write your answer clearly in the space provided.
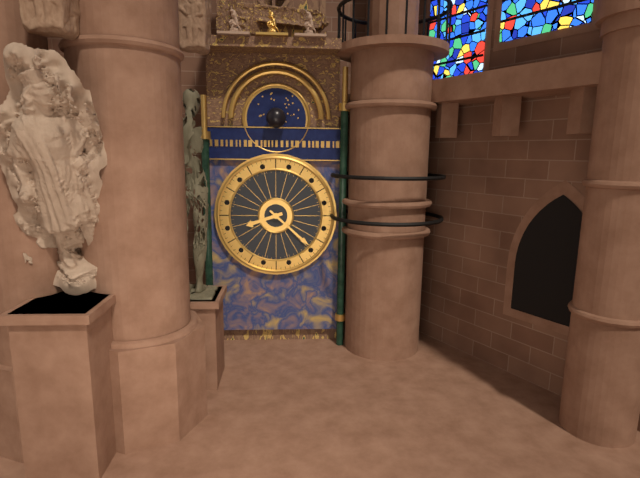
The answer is 8:22
